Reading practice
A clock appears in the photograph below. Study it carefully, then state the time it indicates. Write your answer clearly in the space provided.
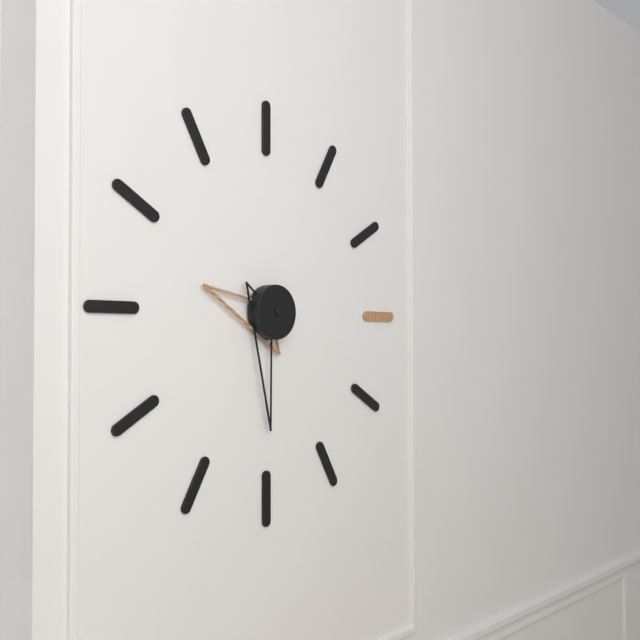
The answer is 9:30
